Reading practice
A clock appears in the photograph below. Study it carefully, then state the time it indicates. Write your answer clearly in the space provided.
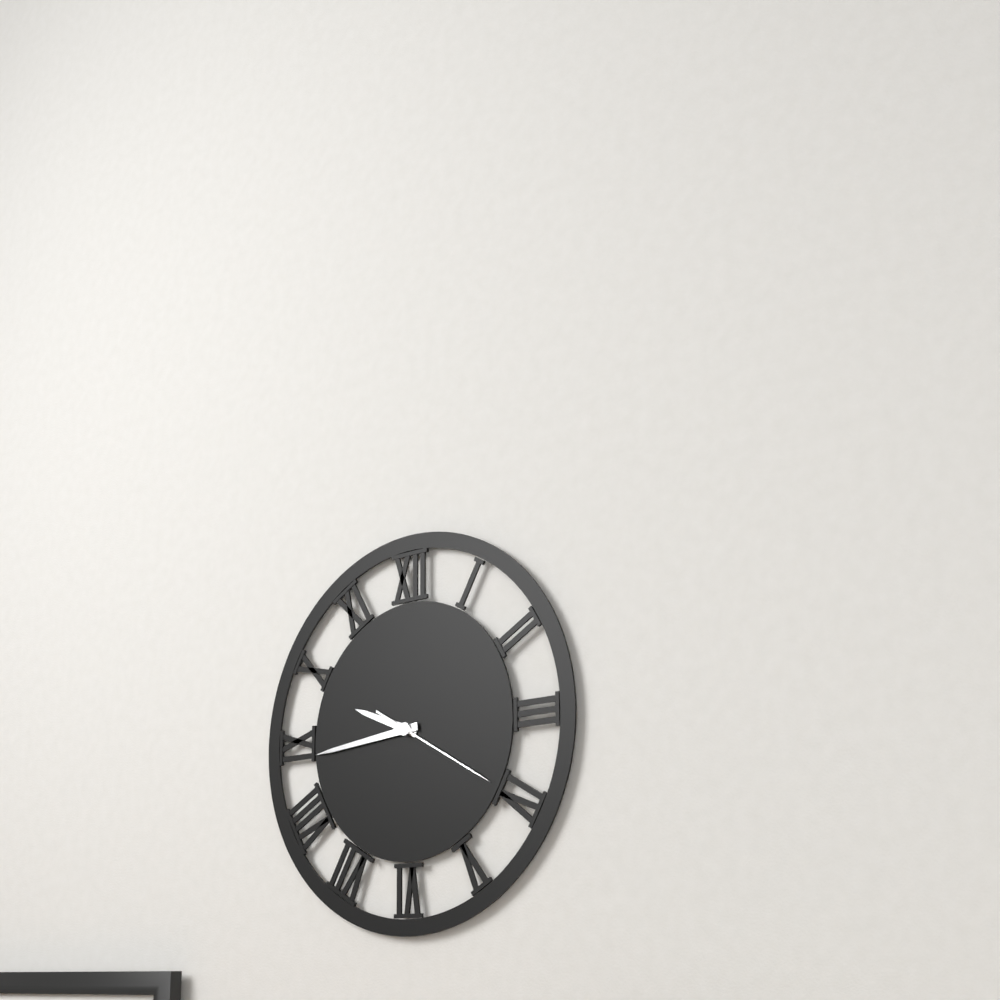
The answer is 9:44:20
